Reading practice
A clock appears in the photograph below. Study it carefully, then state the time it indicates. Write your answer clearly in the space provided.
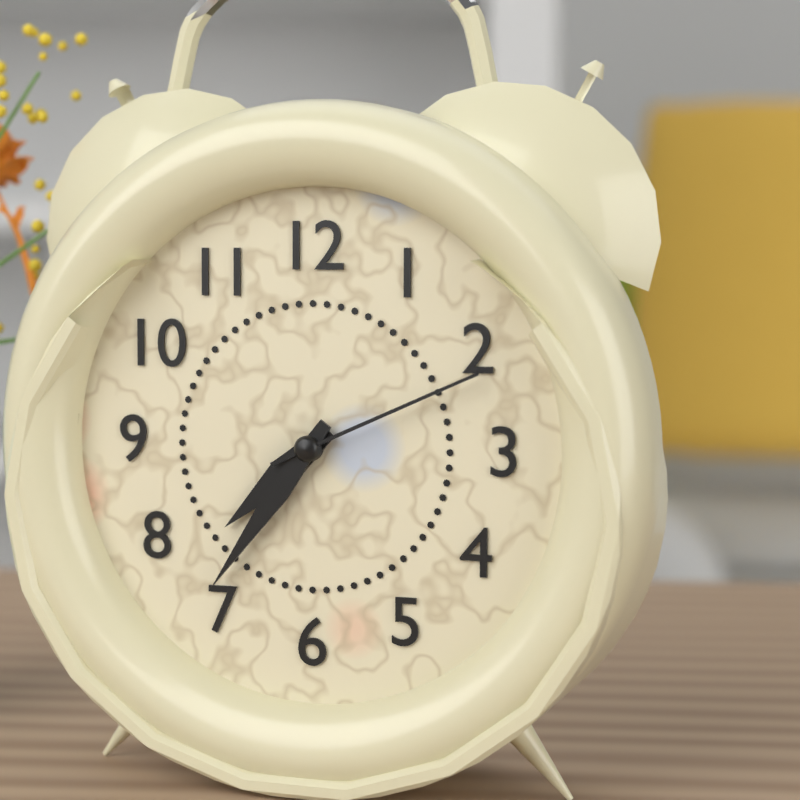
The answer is 7:36:11
